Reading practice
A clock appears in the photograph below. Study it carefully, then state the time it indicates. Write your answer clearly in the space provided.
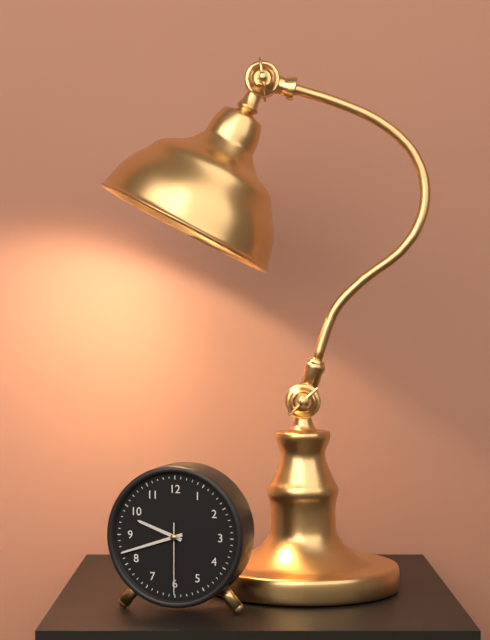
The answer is 9:42:30
